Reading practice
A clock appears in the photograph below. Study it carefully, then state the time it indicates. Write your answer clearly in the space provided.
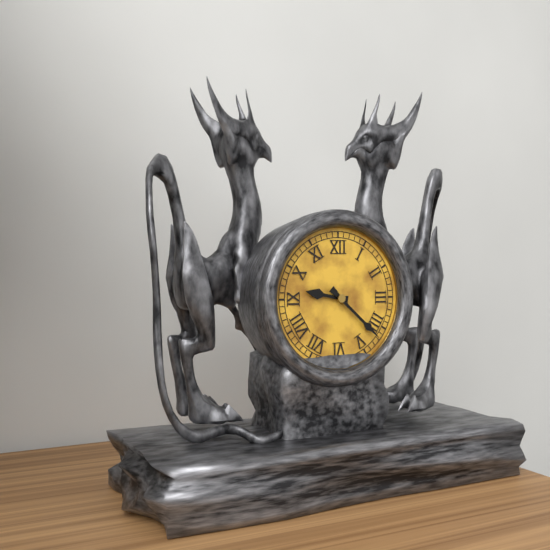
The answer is 9:22
